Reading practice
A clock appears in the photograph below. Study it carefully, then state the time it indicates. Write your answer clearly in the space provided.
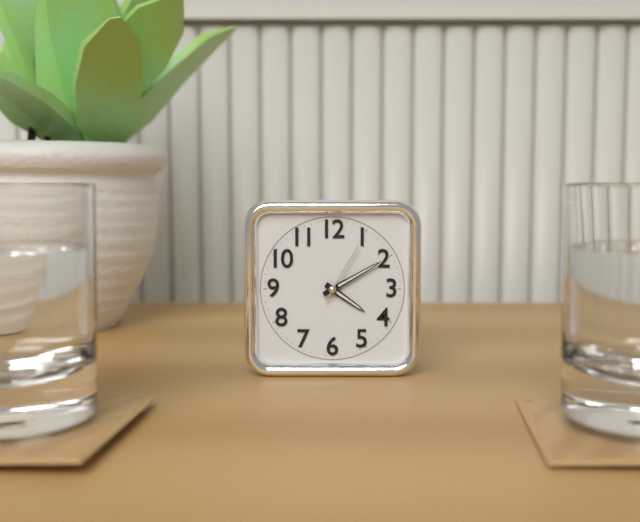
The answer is 4:10:05
